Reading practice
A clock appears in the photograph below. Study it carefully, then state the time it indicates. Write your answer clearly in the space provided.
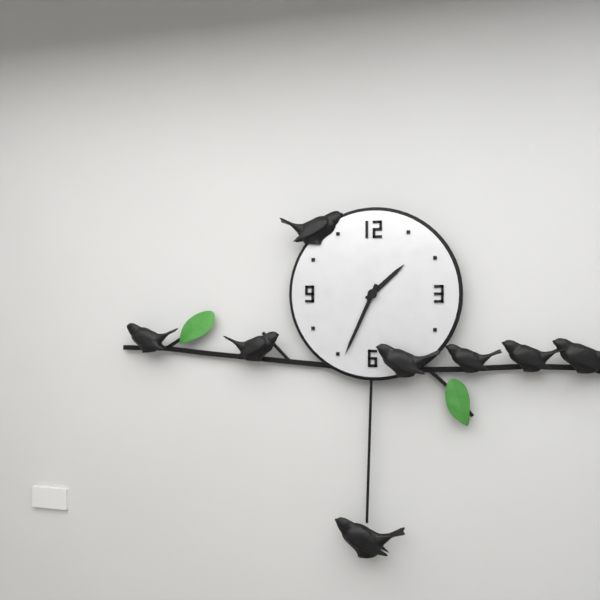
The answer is 1:34
